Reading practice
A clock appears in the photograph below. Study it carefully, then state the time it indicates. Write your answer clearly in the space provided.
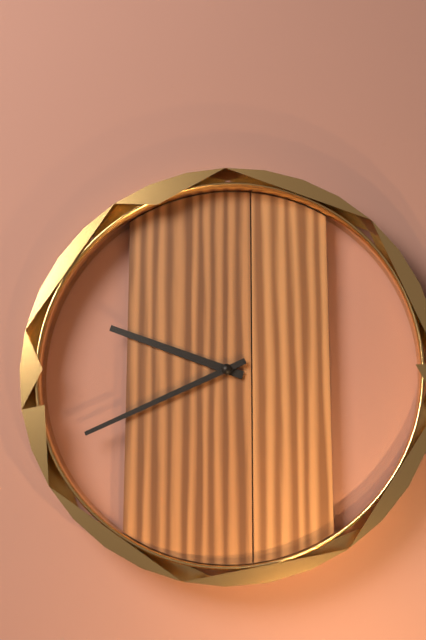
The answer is 9:41
